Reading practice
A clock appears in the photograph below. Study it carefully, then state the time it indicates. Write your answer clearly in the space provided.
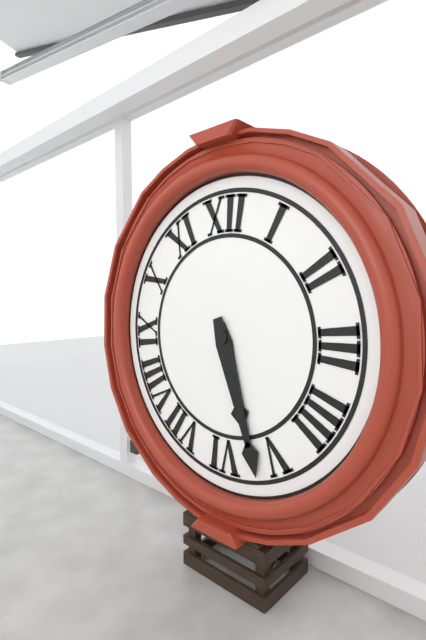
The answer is 5:27
